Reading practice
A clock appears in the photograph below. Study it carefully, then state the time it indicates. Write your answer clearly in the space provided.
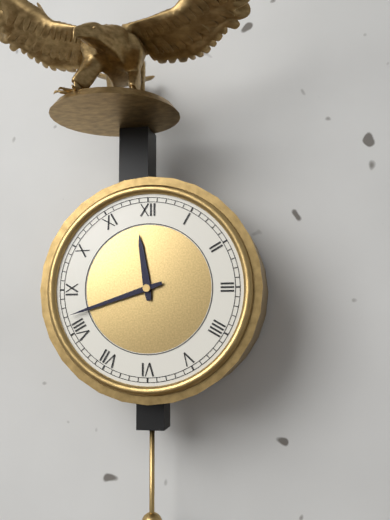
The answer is 11:42
